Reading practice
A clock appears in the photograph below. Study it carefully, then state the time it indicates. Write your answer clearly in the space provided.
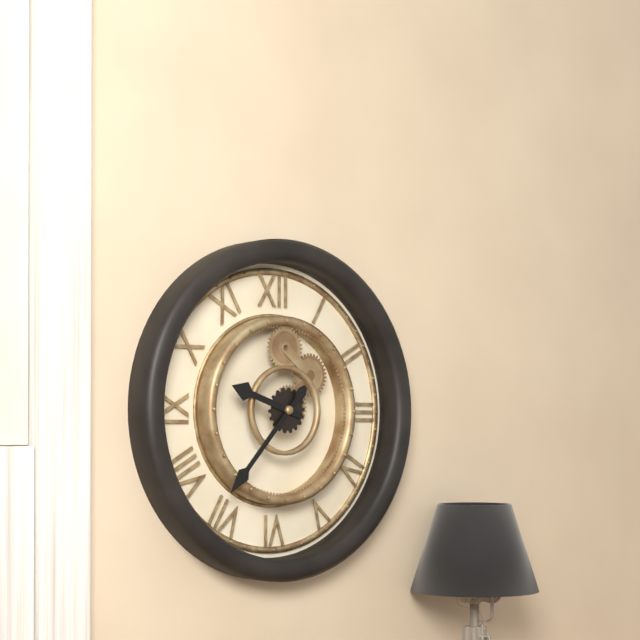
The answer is 9:37
